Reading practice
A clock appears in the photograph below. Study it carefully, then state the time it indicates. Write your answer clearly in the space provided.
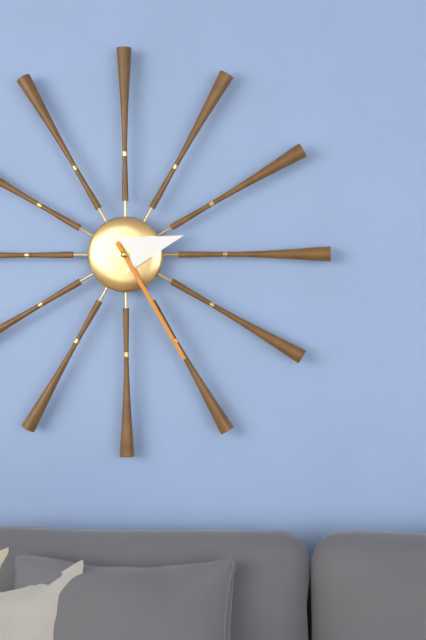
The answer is 2:25
